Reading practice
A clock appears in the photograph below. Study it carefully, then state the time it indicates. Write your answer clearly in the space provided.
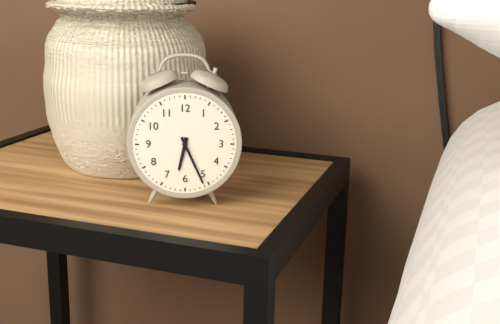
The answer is 6:26
